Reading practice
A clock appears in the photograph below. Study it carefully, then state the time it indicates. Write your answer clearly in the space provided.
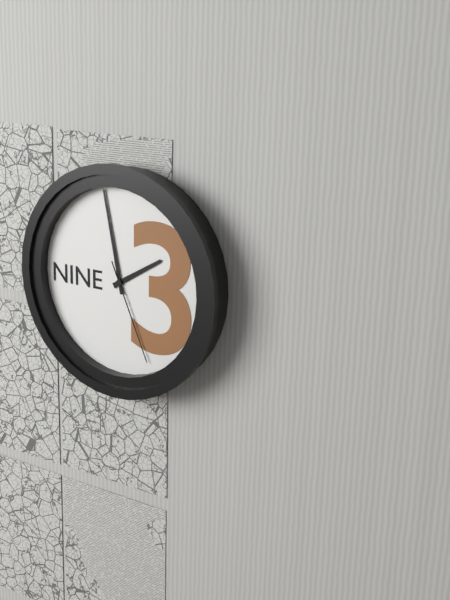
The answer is 1:58:26
